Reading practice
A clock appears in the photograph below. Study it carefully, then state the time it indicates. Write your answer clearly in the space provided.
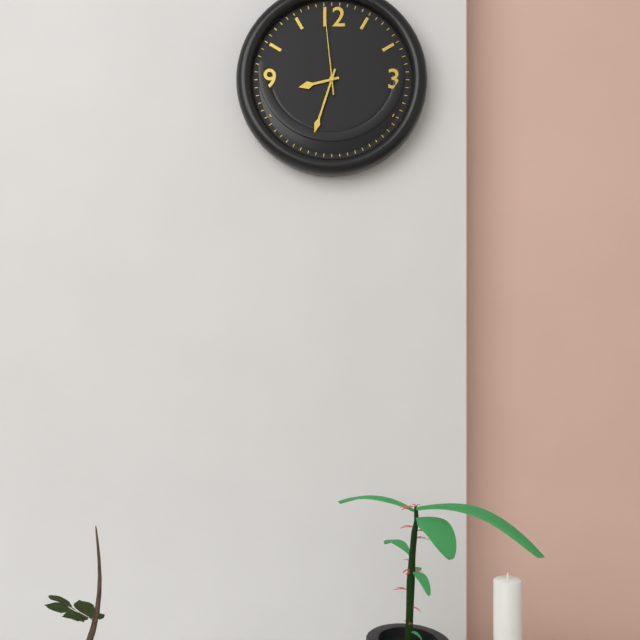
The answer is 8:33:59
